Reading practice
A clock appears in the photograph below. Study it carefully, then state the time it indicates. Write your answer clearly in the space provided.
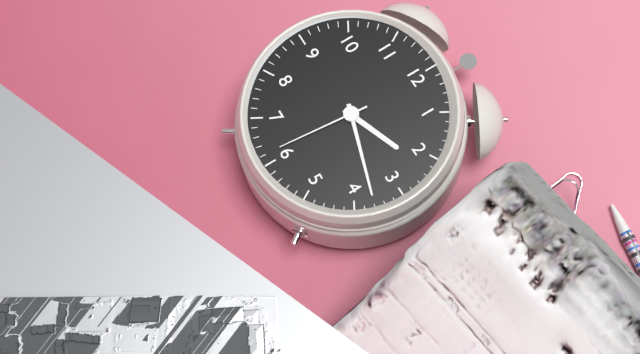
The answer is 2:18:31
